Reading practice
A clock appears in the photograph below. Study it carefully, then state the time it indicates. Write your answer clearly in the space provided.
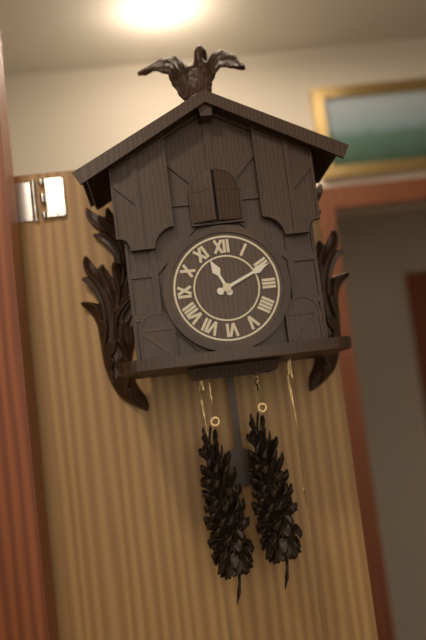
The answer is 11:11
